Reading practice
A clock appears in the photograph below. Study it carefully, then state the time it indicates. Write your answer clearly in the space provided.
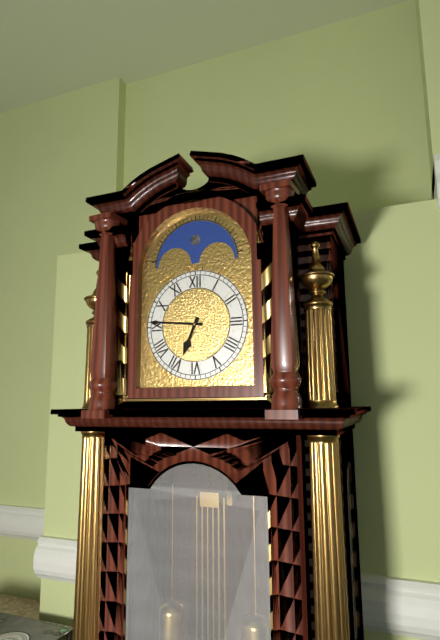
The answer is 6:46
